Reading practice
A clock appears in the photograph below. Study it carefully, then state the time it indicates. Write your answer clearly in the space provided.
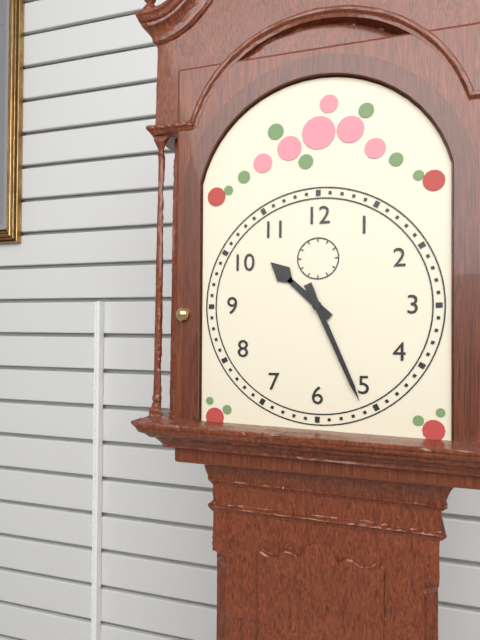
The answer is 10:26
